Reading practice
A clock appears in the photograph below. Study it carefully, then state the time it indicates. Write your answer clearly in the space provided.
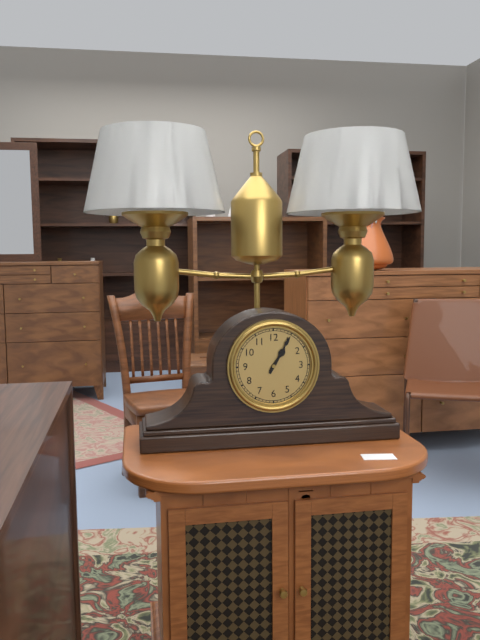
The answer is 1:05
